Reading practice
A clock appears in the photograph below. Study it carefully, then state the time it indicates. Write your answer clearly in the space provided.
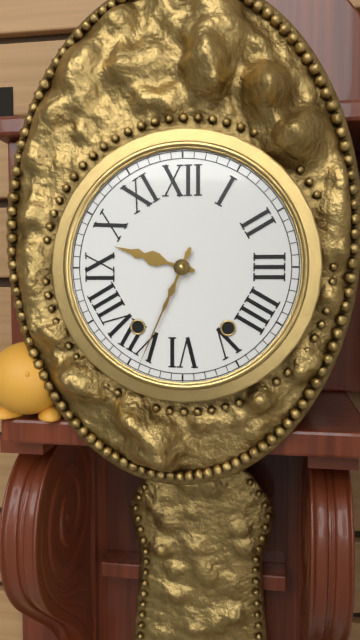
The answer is 9:34
